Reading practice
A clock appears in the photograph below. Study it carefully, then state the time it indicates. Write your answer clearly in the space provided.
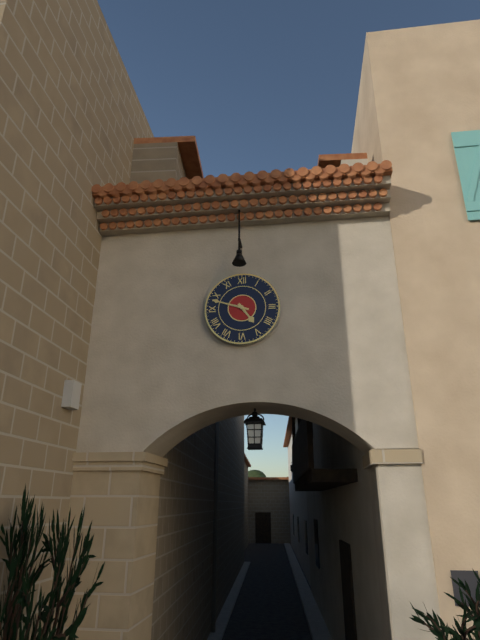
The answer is 4:48
